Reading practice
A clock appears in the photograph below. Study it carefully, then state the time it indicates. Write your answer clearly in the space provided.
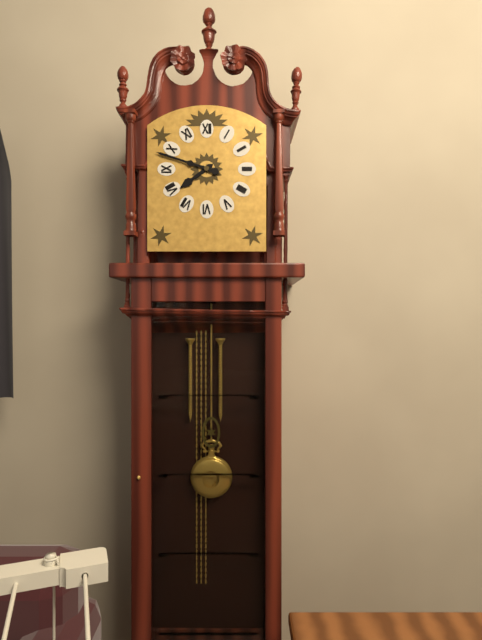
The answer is 7:48
